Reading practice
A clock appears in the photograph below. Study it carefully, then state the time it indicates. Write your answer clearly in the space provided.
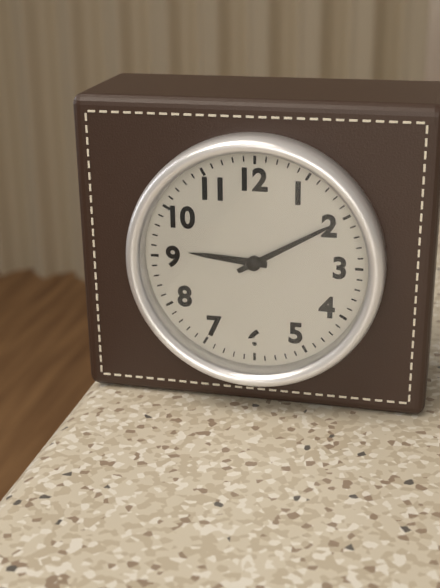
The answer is 9:10
